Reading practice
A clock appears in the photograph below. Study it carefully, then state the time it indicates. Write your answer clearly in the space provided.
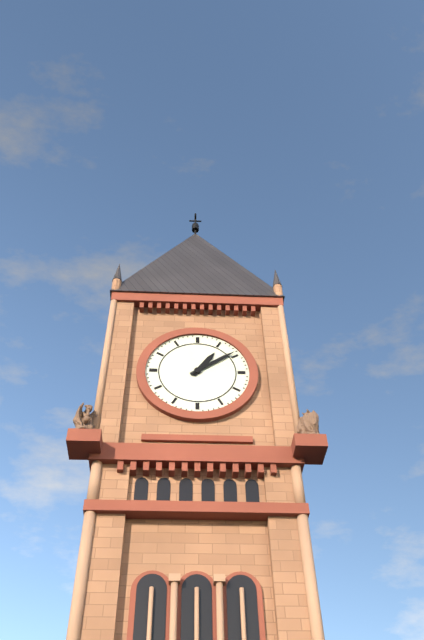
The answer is 1:09
